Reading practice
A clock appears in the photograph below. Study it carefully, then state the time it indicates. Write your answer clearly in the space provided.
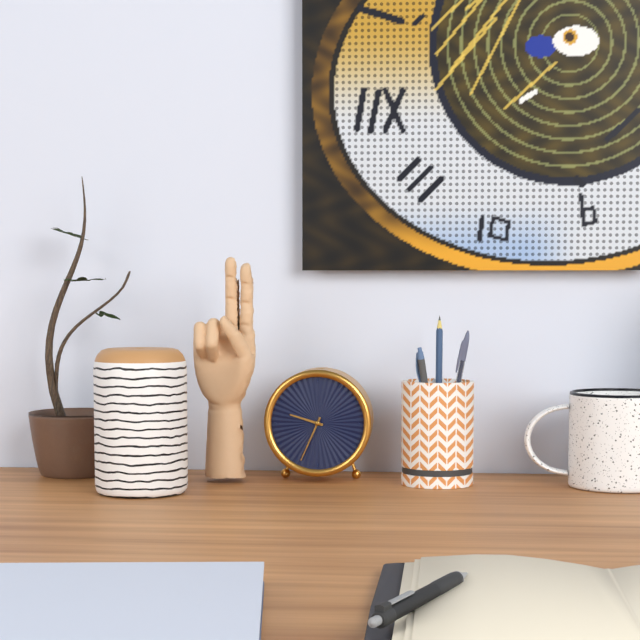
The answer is 9:34
